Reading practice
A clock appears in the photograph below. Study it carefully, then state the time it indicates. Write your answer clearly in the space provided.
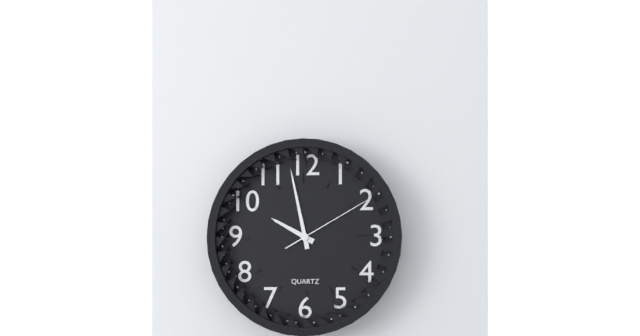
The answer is 9:58:10
